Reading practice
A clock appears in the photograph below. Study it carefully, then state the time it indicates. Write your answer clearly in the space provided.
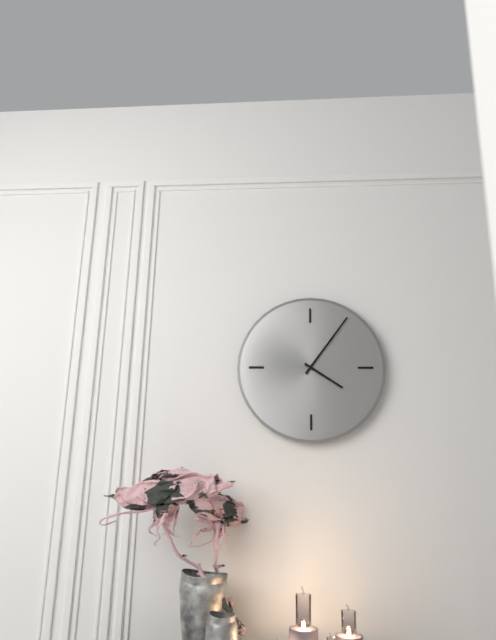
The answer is 4:06
